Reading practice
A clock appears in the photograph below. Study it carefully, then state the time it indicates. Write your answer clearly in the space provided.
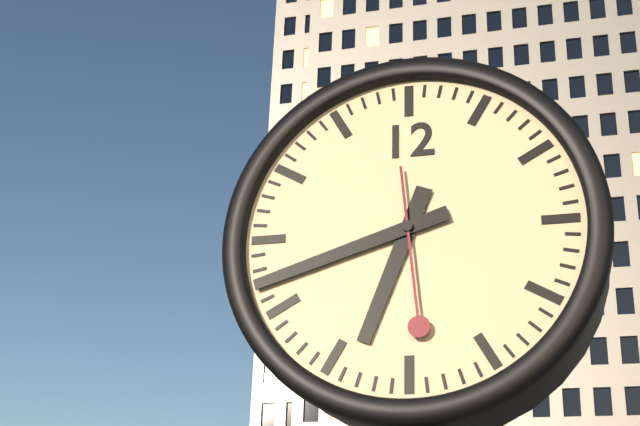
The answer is 6:42:29
